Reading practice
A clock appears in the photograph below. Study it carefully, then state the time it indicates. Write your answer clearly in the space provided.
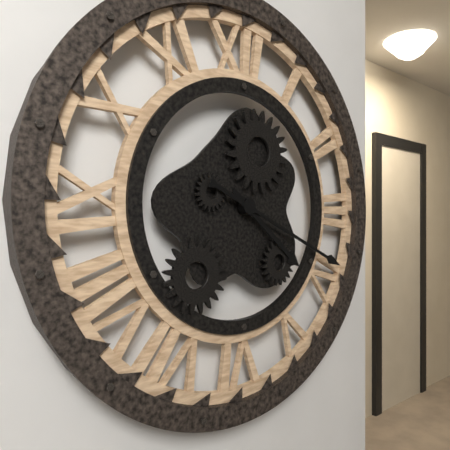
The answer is 4:19
